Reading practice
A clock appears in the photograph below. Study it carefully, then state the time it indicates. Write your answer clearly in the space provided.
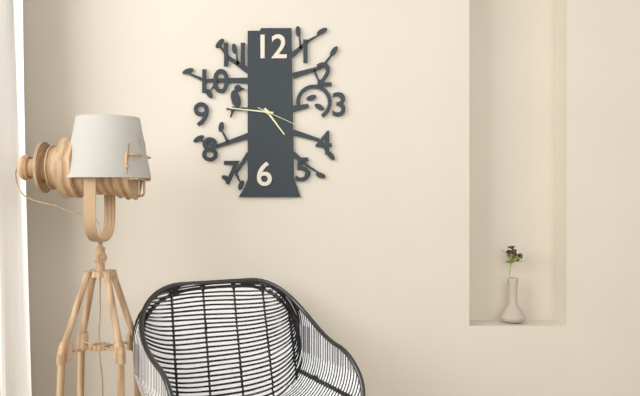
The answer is 4:46:19
